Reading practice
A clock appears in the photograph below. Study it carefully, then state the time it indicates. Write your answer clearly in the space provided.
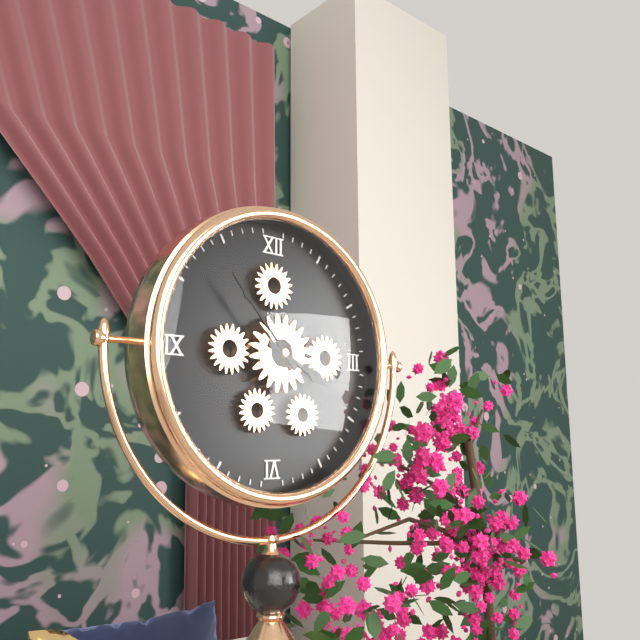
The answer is 3:53
